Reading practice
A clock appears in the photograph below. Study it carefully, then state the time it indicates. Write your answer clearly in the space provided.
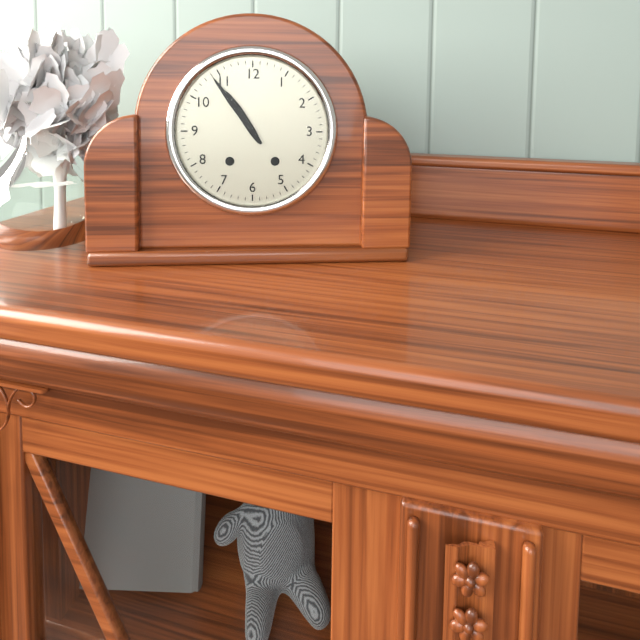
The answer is 10:54
